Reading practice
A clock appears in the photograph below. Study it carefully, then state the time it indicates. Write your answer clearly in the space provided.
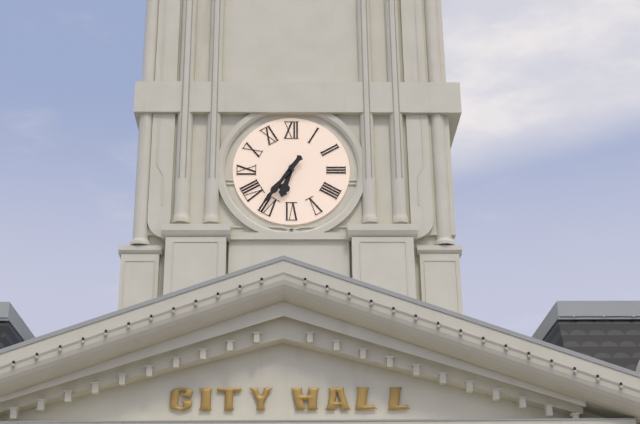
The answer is 6:36
